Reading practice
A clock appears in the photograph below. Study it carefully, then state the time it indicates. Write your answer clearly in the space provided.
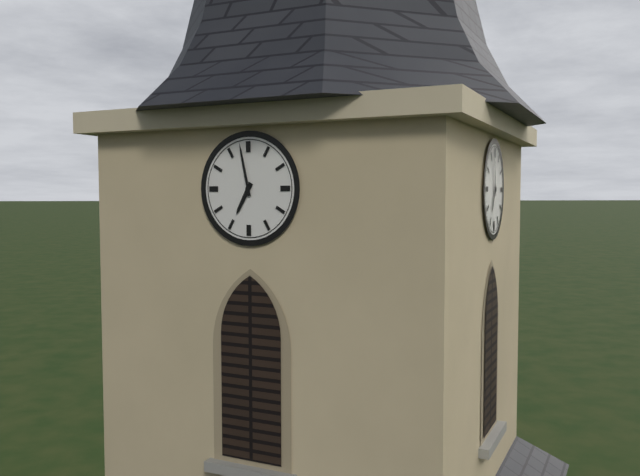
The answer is 6:58
